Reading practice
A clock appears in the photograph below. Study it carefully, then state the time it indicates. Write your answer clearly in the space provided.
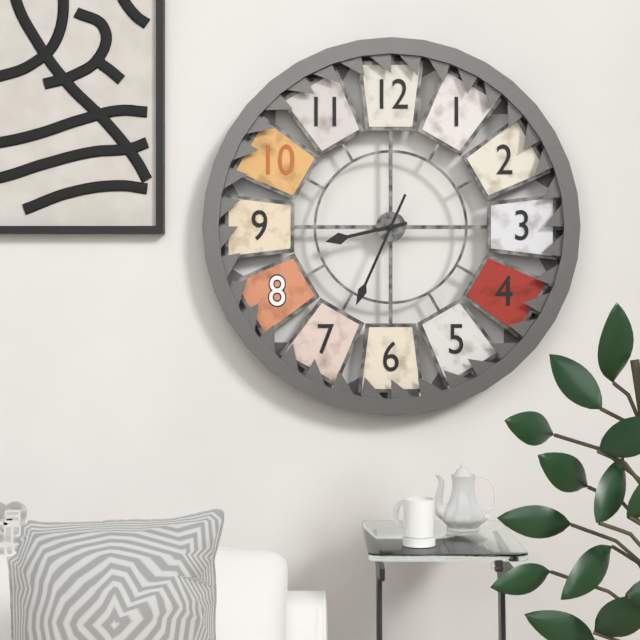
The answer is 8:34
